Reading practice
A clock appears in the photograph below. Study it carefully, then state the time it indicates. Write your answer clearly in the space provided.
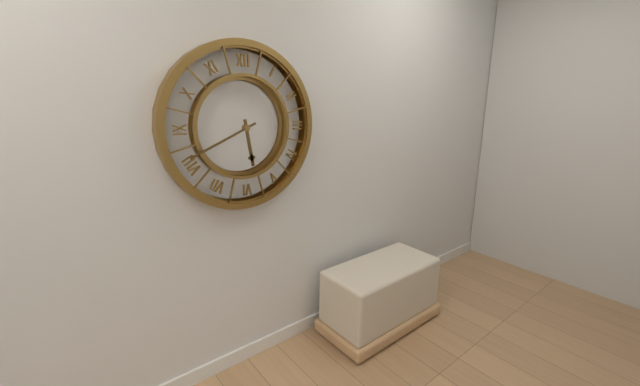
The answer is 5:41
